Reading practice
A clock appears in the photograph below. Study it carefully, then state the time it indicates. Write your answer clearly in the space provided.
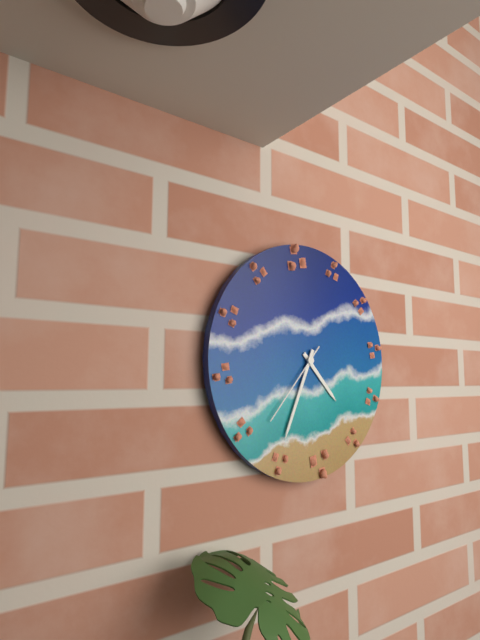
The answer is 4:34:37
